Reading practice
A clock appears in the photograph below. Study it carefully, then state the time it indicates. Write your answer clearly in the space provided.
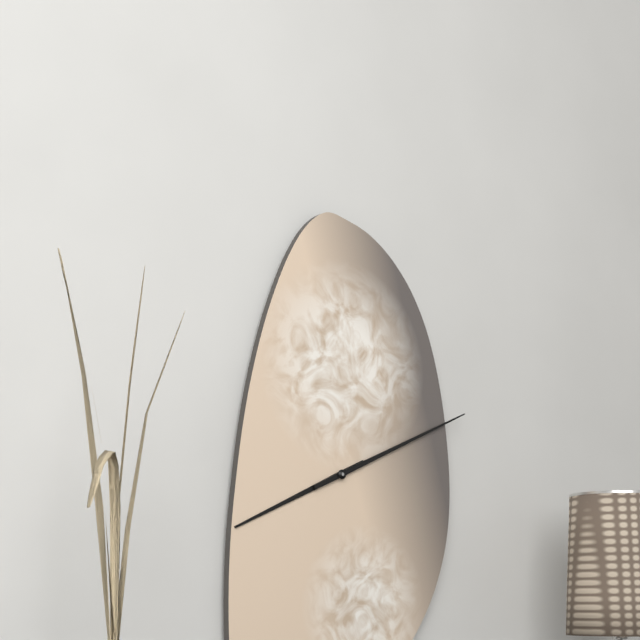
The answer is 8:11
